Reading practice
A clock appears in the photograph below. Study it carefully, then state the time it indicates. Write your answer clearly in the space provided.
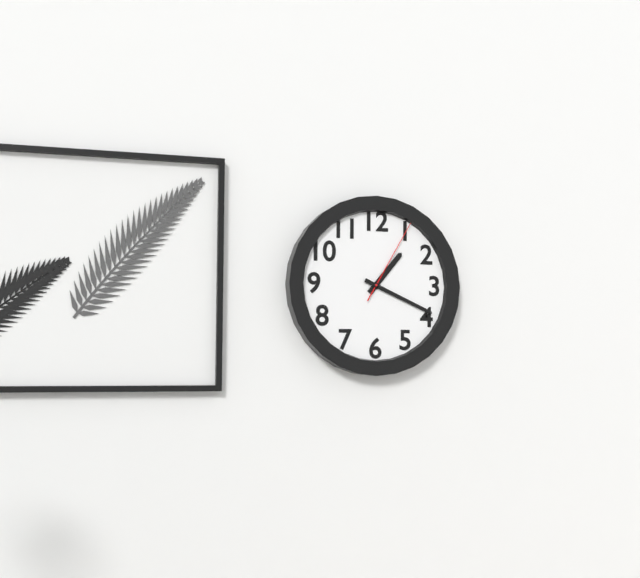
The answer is 1:19:05
